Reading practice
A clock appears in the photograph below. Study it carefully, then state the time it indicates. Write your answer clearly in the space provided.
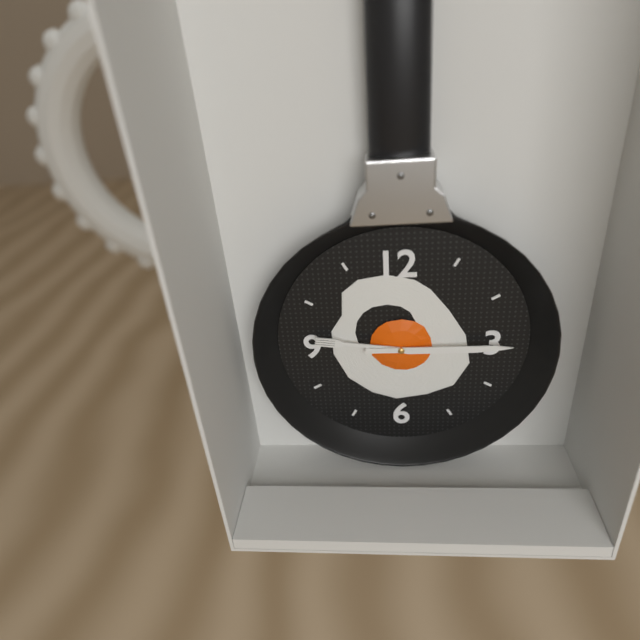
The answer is 9:15
